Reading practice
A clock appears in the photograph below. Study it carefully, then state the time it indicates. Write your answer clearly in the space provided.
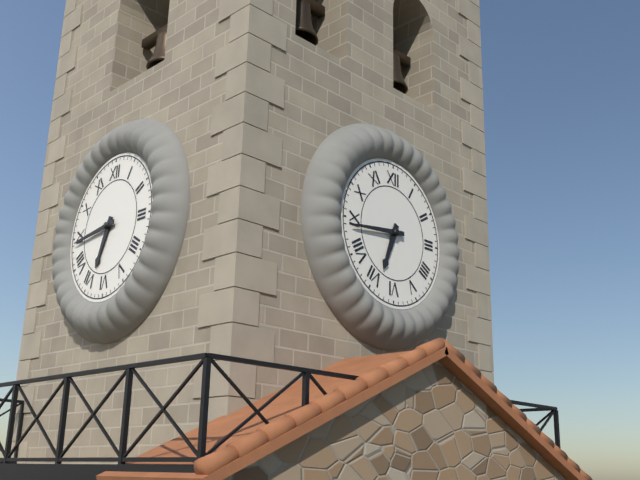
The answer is 6:44
